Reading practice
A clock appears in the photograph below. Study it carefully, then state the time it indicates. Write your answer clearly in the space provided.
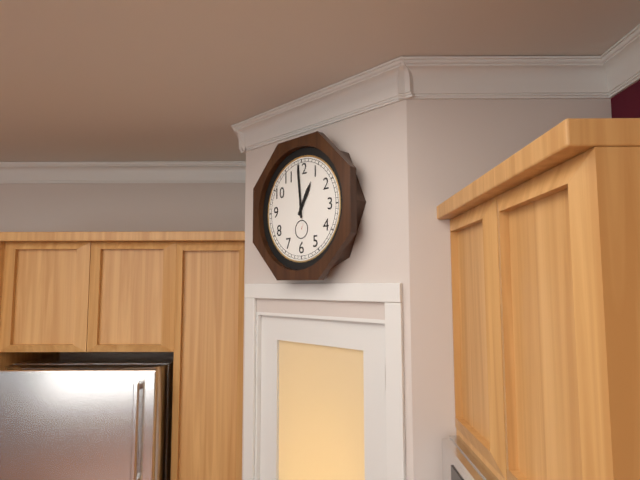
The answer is 12:59
